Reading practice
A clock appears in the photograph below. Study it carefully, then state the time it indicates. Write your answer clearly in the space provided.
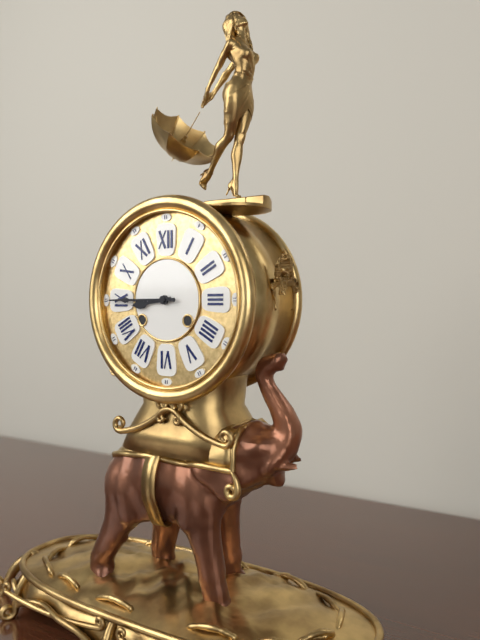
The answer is 8:45
